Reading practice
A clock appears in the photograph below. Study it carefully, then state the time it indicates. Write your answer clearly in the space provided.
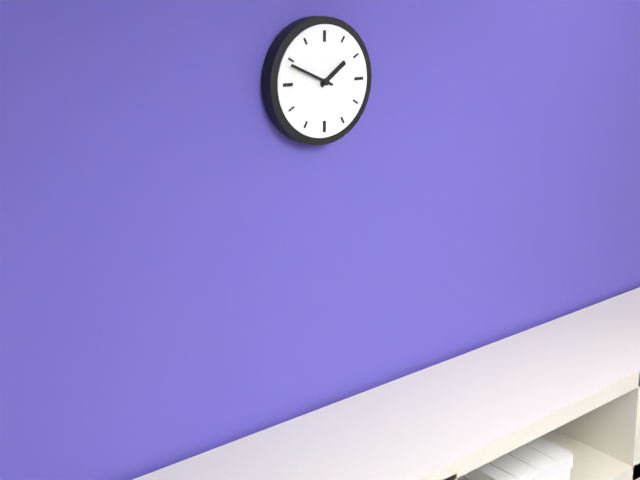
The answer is 1:49
